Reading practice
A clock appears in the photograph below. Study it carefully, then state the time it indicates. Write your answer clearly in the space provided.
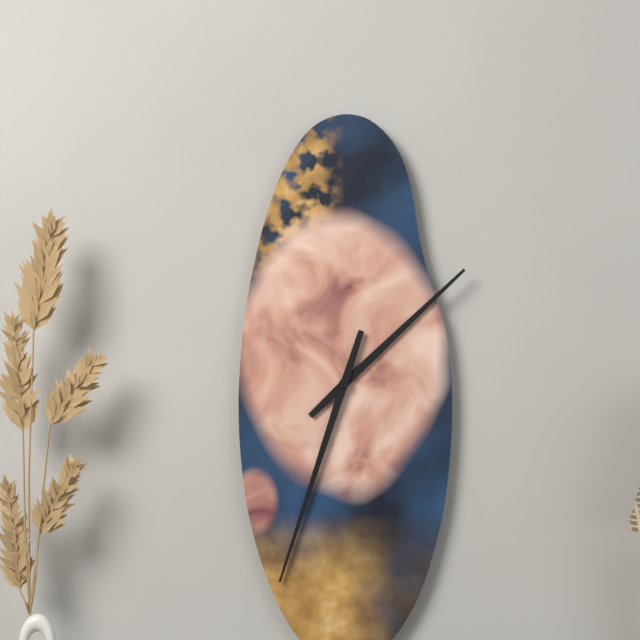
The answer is 1:33
